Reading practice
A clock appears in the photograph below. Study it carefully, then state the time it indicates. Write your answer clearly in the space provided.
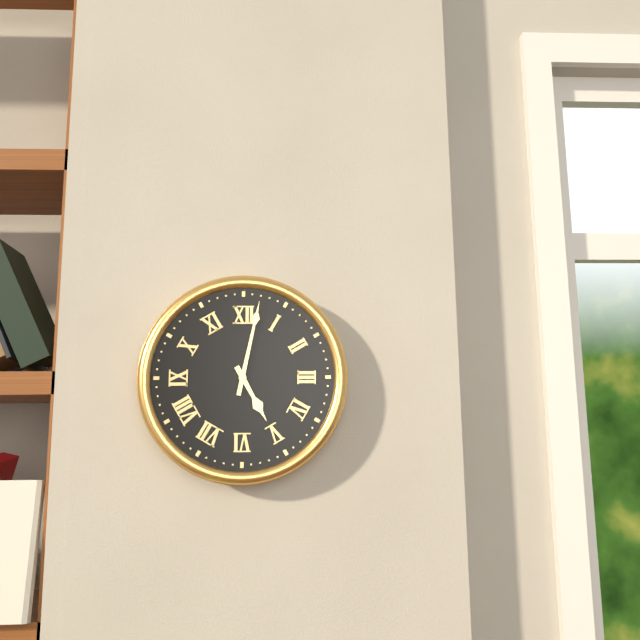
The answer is 5:02
